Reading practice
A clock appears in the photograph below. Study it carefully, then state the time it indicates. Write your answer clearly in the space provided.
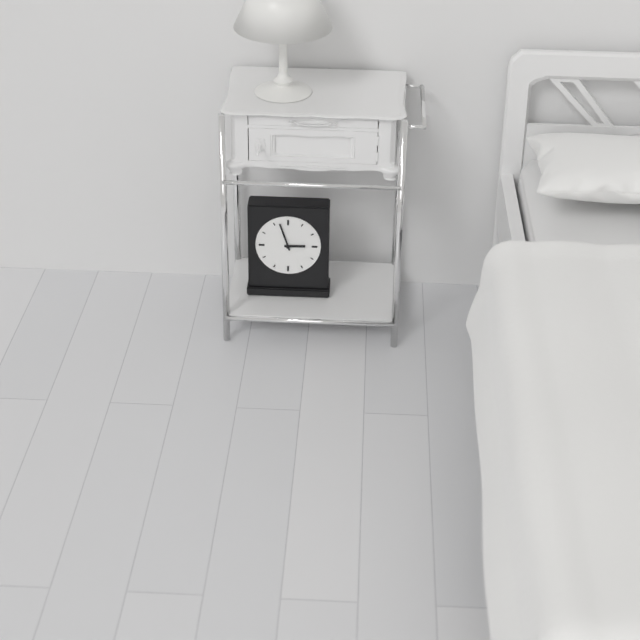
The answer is 2:57
